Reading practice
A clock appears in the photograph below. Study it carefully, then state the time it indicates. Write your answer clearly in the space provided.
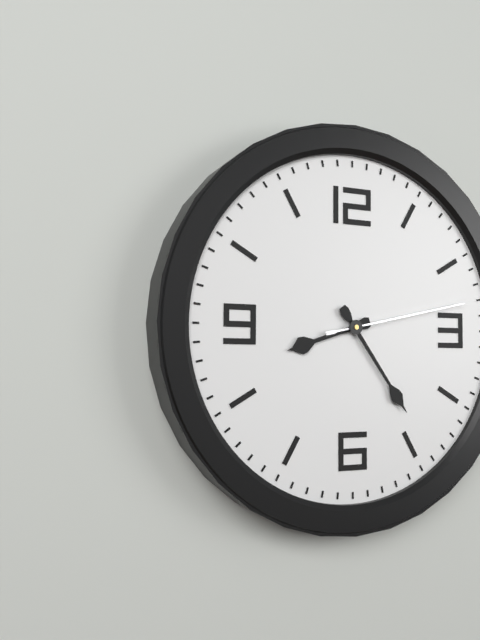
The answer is 8:24:13
